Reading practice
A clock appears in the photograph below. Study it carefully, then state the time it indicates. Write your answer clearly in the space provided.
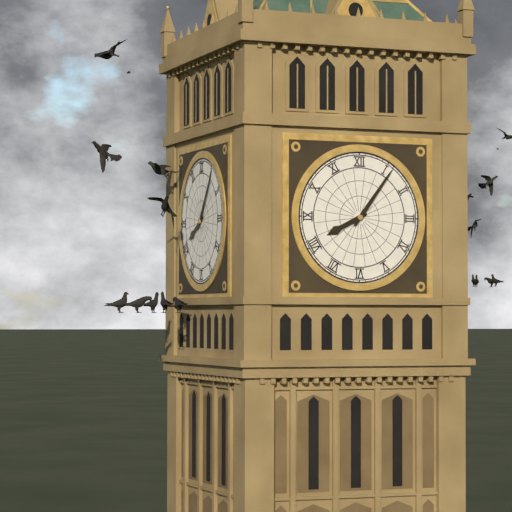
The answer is 8:06
